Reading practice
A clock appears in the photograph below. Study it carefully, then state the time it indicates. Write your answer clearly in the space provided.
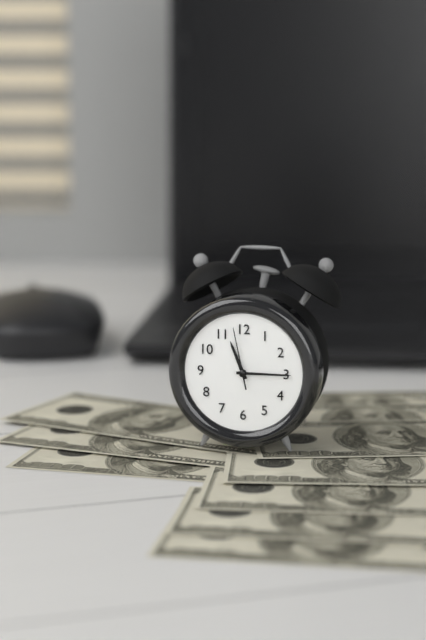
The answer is 11:15:58
